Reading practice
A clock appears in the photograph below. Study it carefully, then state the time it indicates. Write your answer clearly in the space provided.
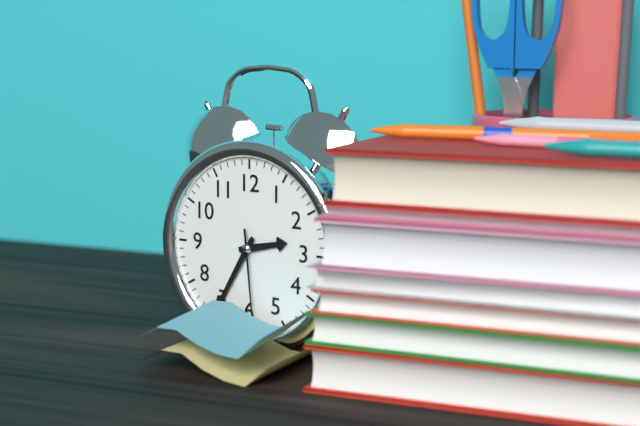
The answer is 2:35:29
